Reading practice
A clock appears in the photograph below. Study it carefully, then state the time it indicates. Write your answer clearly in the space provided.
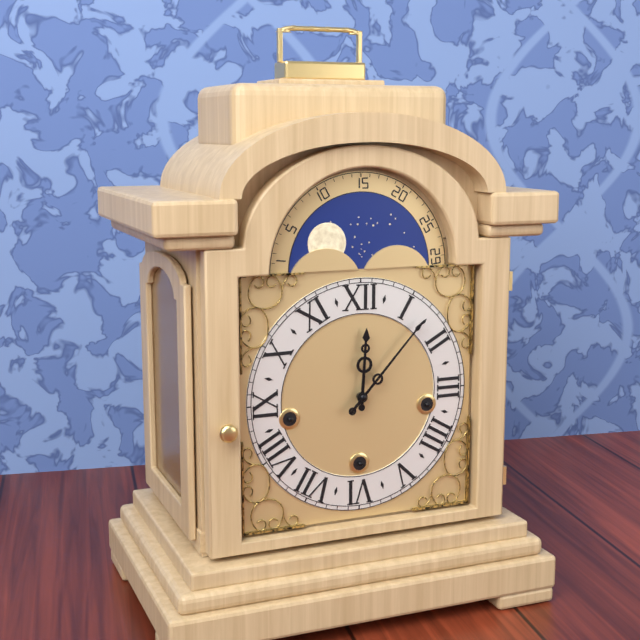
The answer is 12:07
